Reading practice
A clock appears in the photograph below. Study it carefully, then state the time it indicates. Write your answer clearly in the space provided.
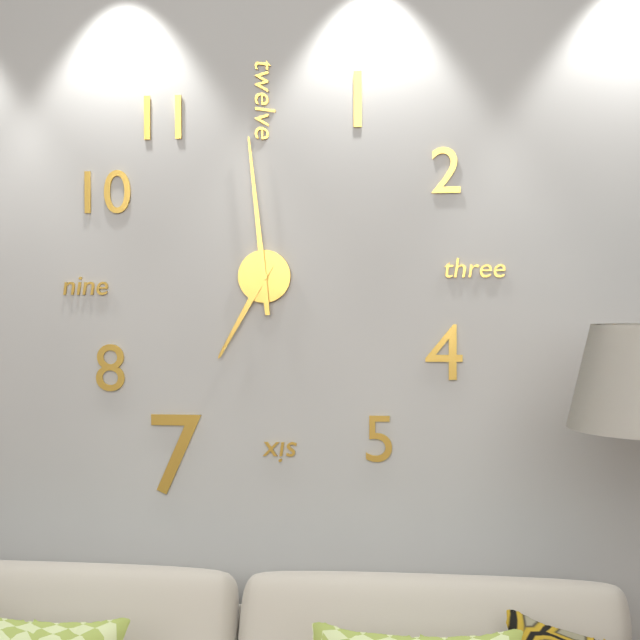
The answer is 6:59
